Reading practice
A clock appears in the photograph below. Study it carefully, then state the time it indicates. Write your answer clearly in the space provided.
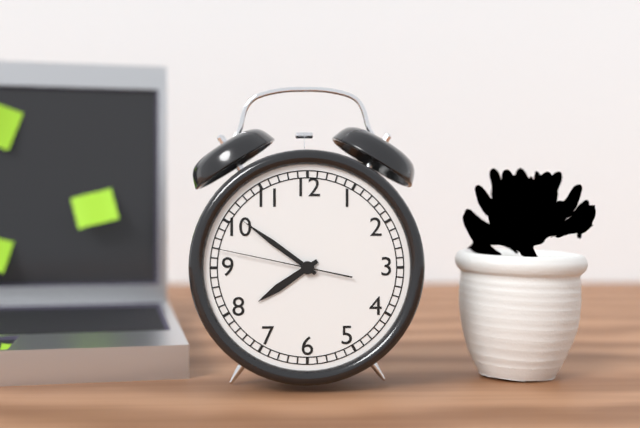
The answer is 7:51:47
